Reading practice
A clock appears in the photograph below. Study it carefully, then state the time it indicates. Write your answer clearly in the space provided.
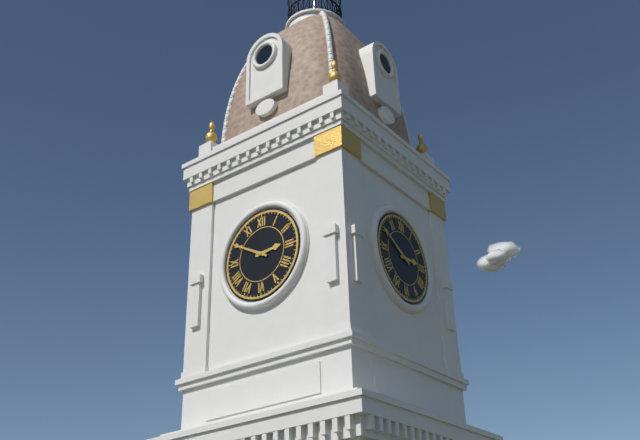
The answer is 2:50
